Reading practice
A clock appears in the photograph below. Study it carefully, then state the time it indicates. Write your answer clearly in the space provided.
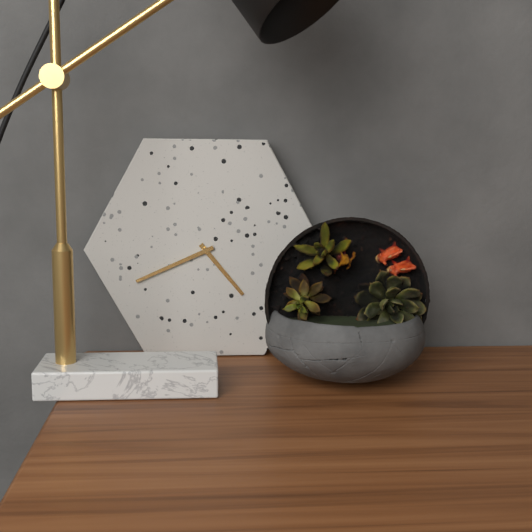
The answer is 4:41
